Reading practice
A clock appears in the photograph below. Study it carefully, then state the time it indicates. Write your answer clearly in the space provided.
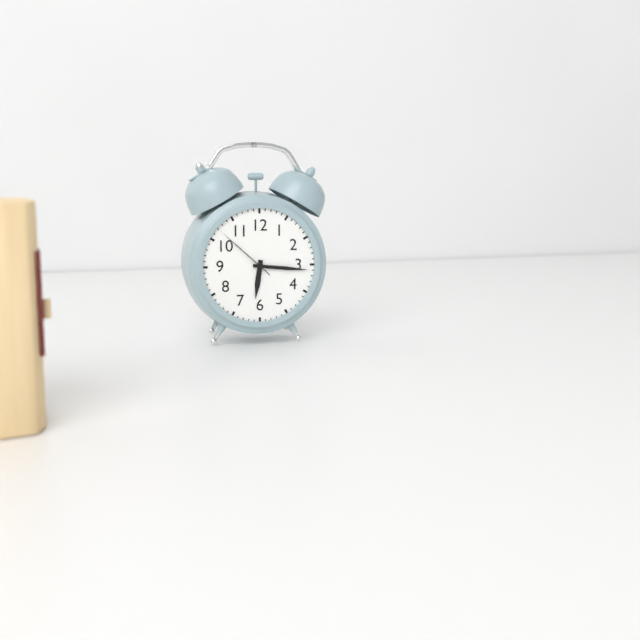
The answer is 6:16:52
